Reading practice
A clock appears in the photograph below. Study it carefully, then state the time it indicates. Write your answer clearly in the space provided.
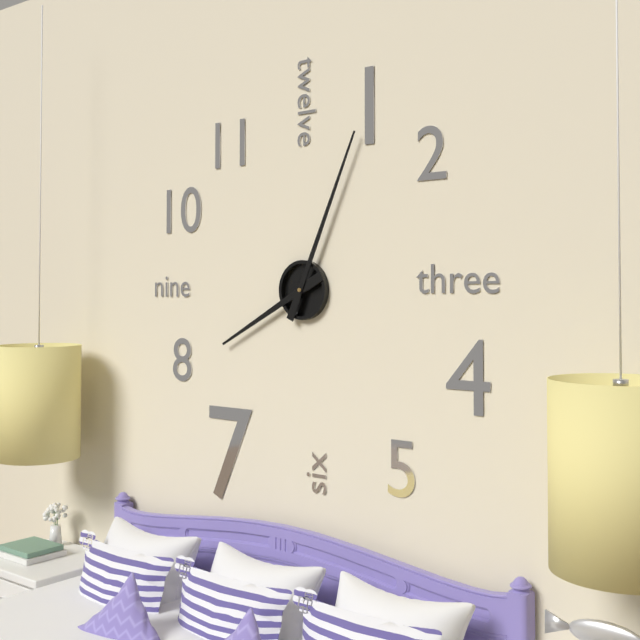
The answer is 8:04
